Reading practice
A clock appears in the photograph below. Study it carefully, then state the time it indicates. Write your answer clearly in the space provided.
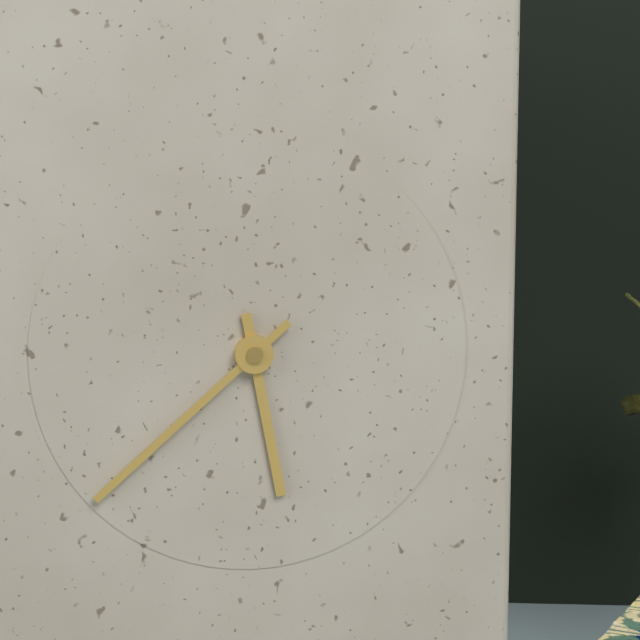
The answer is 5:38
